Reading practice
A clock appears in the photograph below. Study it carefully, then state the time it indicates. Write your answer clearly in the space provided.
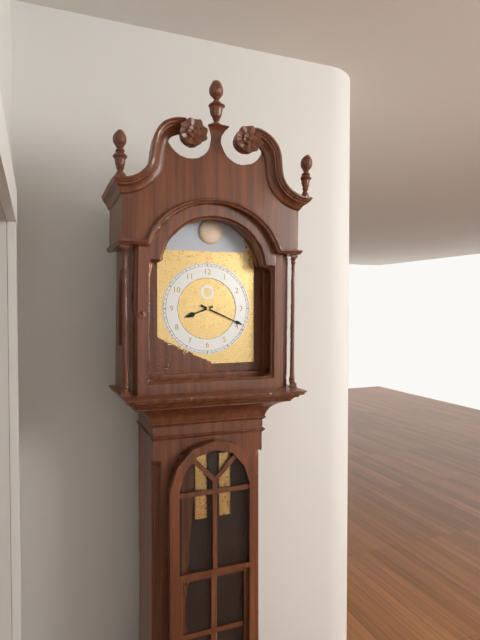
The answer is 8:19
